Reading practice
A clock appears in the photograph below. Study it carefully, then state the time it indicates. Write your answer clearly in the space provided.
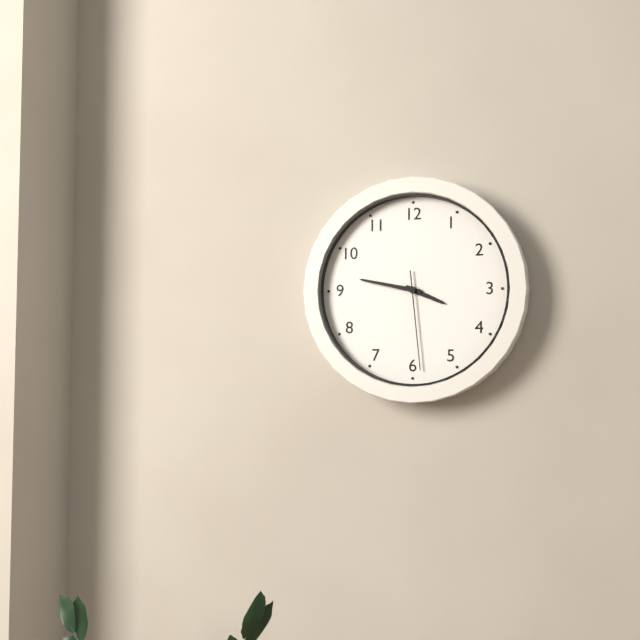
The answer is 3:47:29
